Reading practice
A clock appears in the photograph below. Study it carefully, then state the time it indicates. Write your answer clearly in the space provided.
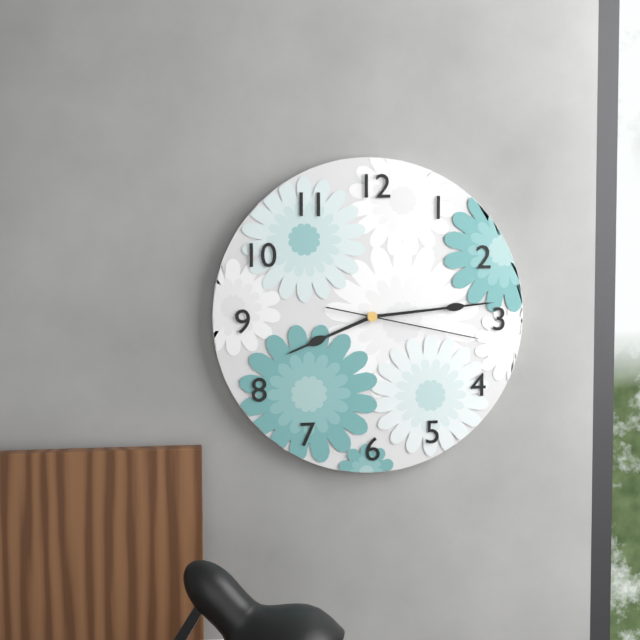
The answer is 8:14:17
